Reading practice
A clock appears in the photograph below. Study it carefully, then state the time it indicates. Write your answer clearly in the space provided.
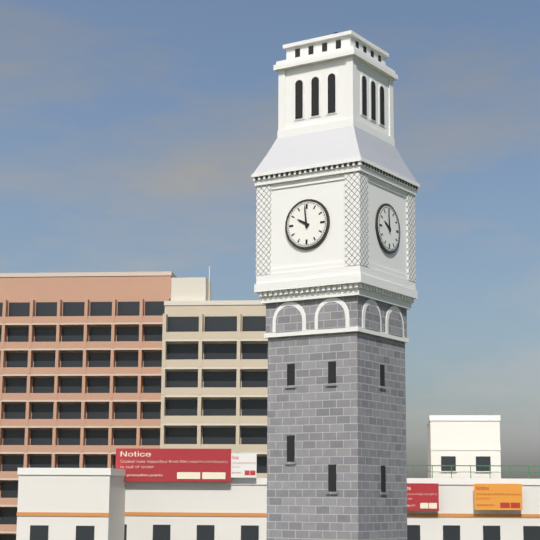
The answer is 9:59
